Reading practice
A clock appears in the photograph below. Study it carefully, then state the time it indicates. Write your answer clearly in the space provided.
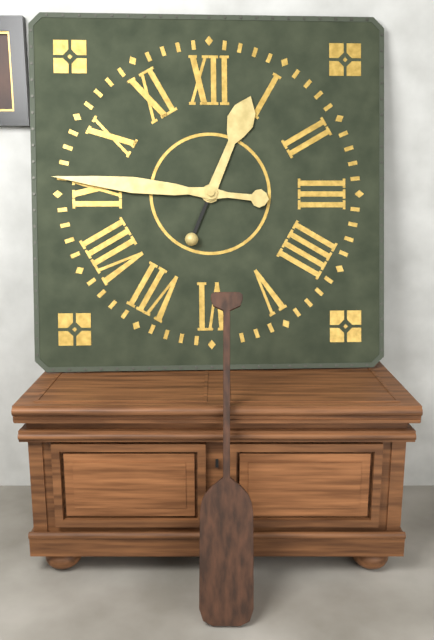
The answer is 12:46
